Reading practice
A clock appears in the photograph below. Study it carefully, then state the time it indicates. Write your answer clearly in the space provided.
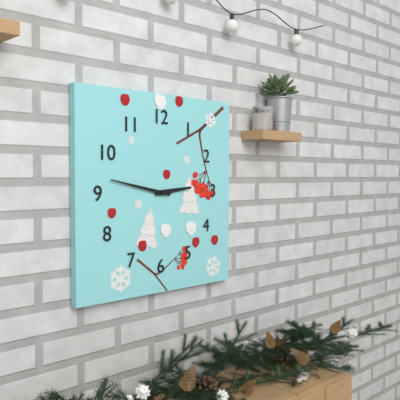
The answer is 2:47
